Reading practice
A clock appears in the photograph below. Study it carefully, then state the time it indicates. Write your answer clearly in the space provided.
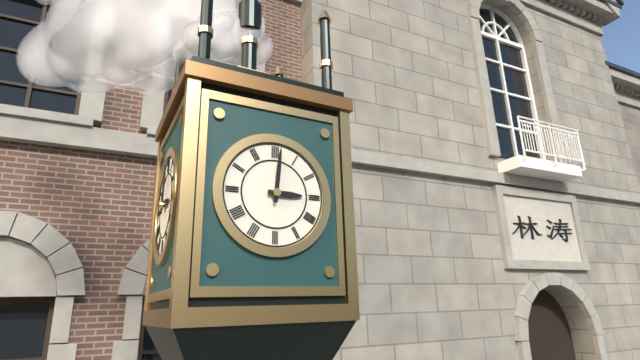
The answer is 3:01
